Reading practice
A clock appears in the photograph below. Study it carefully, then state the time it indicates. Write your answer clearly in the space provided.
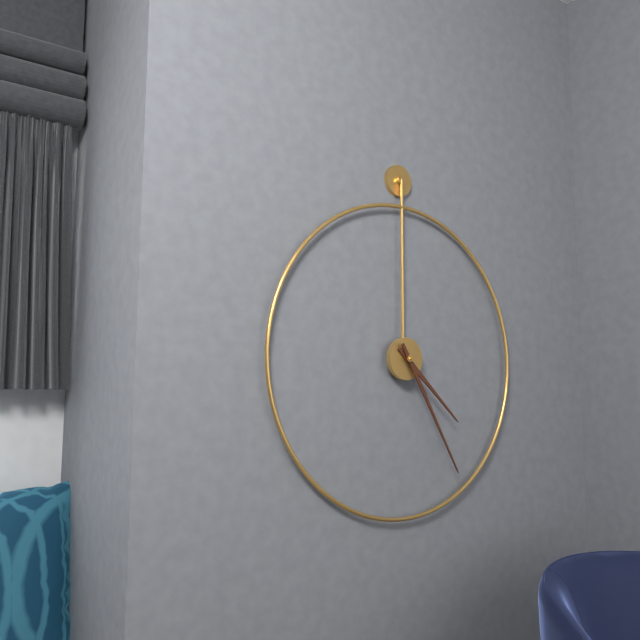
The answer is 4:25
